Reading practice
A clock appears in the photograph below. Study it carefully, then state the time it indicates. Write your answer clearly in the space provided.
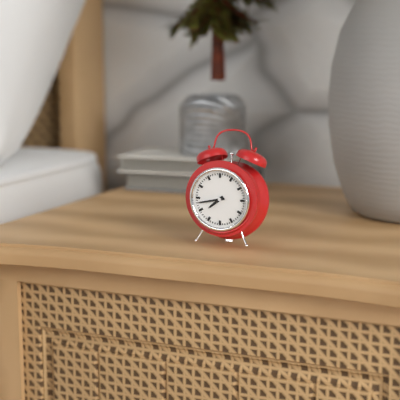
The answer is 7:43
